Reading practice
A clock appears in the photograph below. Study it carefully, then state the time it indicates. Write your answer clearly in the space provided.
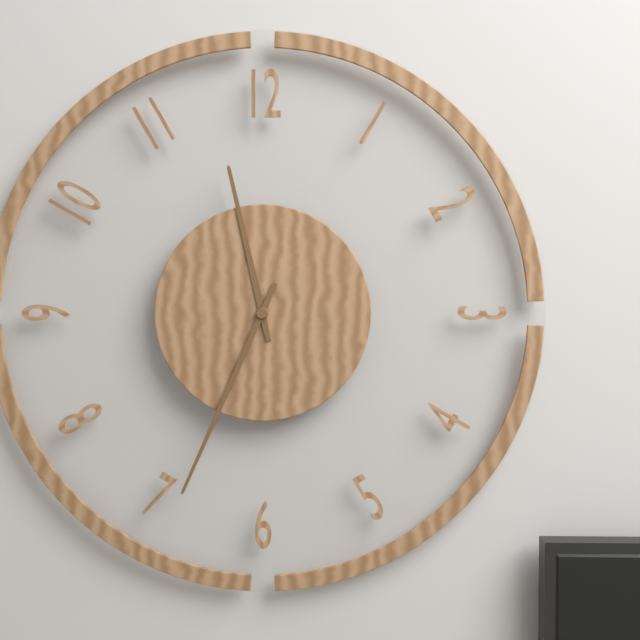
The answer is 11:34
